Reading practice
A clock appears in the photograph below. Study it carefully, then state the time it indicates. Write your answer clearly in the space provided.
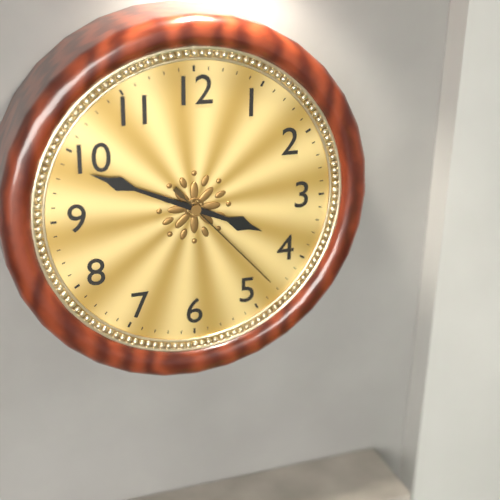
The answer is 3:49:23
